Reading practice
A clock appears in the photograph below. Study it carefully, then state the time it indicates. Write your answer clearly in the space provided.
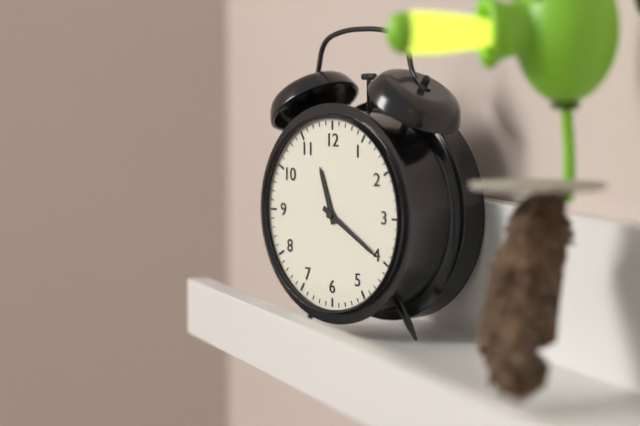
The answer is 11:20
